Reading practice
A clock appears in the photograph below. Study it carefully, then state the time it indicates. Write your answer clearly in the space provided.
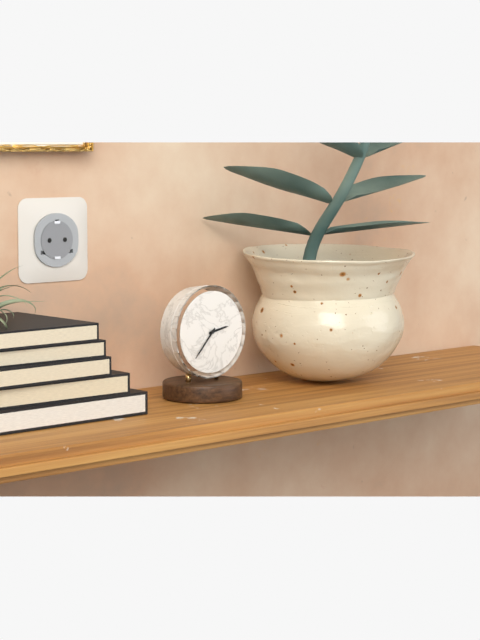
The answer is 2:37
